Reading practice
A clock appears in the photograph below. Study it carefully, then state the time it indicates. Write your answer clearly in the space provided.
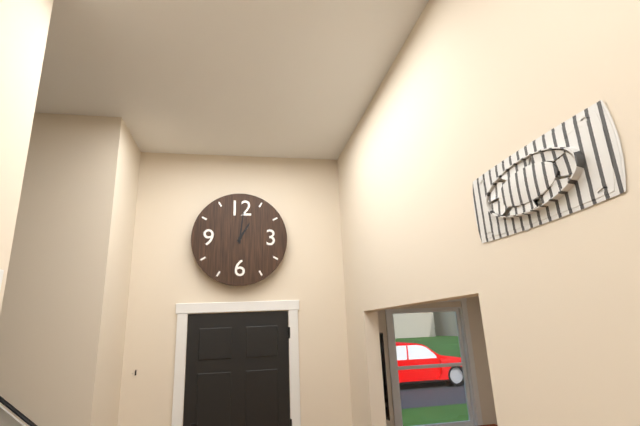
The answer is 1:01
